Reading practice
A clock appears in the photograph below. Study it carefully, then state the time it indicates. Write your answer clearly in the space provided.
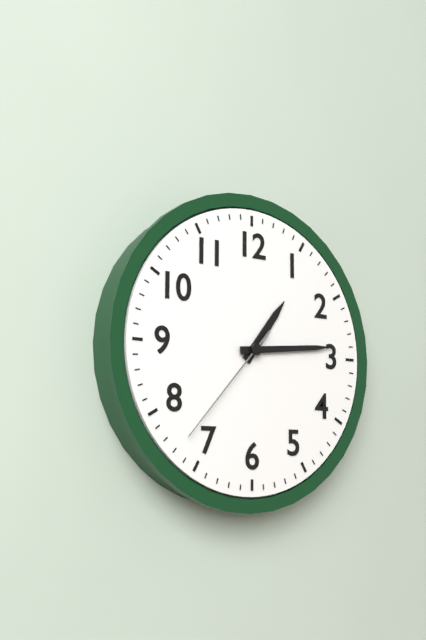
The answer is 1:14:37
